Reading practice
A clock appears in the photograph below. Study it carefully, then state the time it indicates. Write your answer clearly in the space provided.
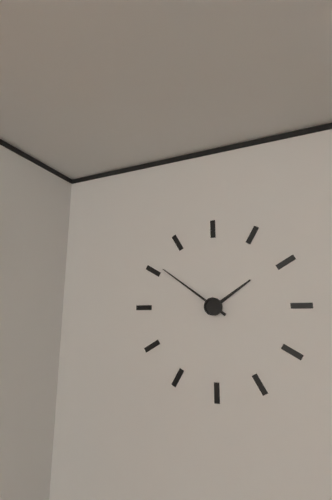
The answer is 1:51
